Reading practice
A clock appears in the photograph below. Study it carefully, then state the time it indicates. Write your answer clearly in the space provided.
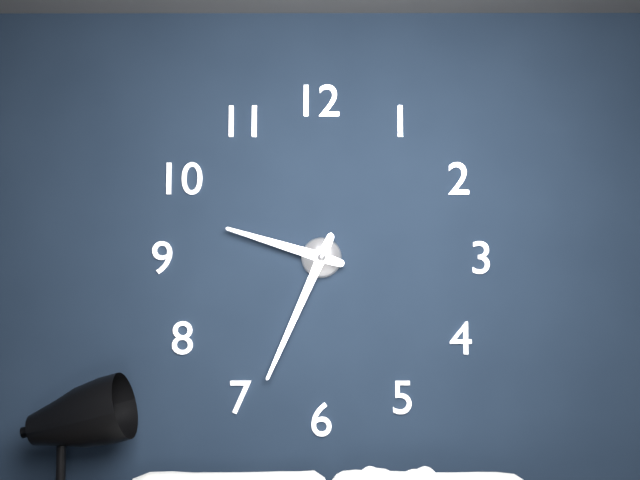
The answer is 9:34
